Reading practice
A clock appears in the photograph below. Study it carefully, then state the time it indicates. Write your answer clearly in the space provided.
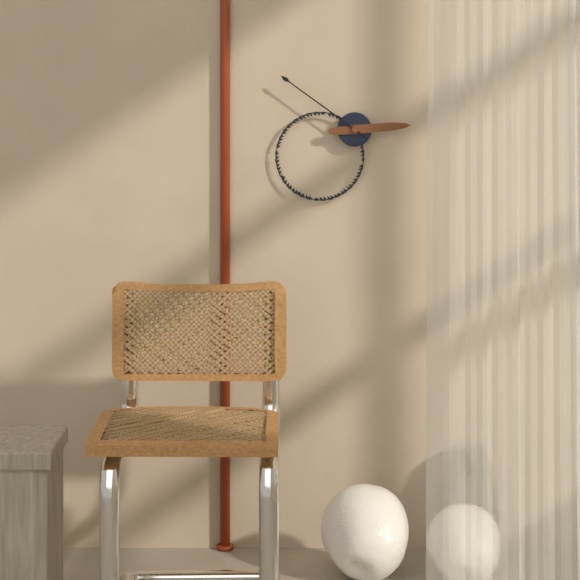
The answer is 2:51
